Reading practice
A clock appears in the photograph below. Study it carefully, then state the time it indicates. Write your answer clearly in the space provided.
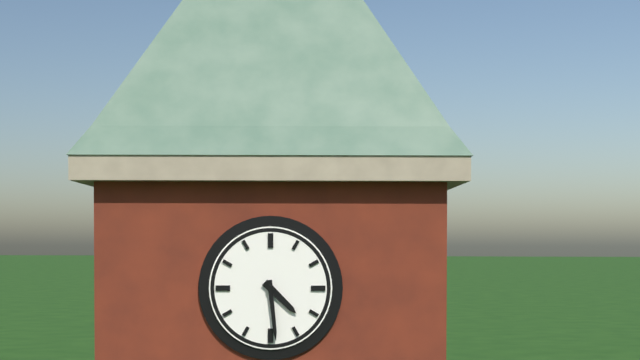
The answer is 4:29
